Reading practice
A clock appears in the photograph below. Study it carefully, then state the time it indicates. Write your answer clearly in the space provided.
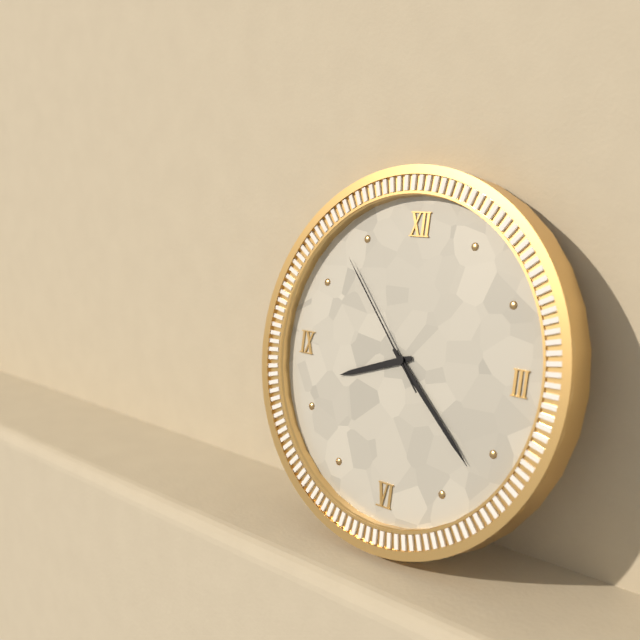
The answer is 8:22:53
